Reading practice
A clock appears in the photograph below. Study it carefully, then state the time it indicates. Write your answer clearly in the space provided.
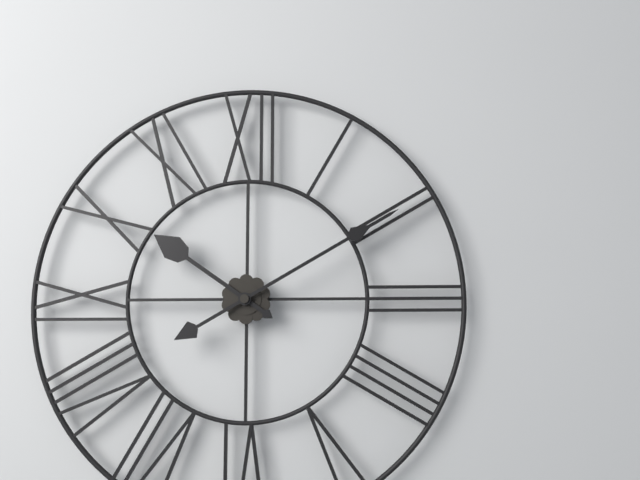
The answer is 10:10
